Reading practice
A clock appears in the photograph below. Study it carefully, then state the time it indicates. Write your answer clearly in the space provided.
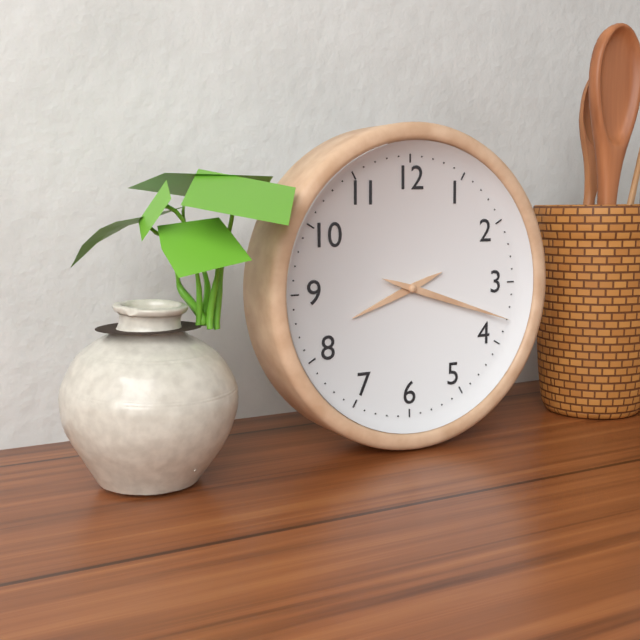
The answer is 8:18
